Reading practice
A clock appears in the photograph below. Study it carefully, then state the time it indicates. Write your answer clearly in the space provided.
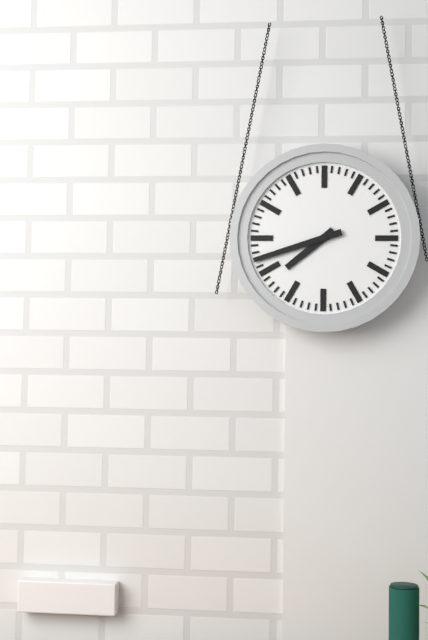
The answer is 7:42
